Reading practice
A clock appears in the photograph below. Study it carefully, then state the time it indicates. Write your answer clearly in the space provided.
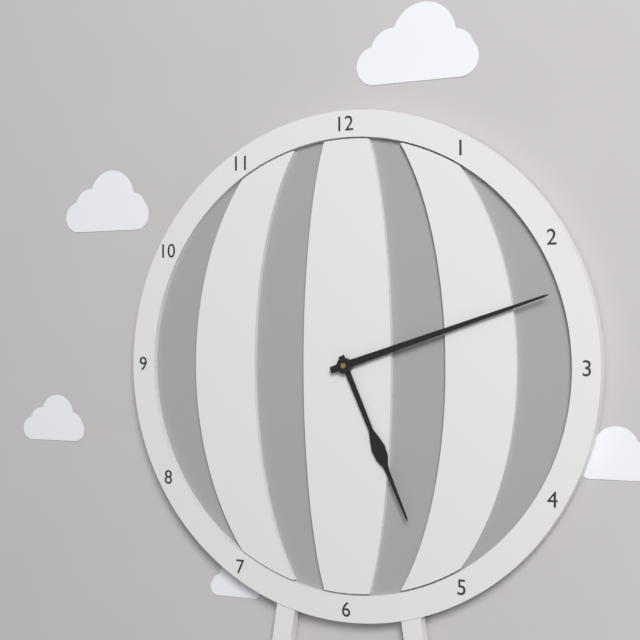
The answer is 5:12
